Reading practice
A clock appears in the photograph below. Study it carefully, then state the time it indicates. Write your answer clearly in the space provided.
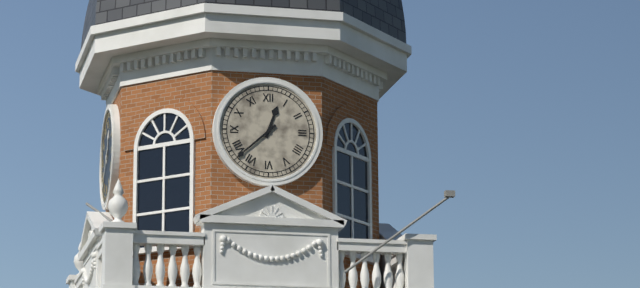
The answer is 12:38
